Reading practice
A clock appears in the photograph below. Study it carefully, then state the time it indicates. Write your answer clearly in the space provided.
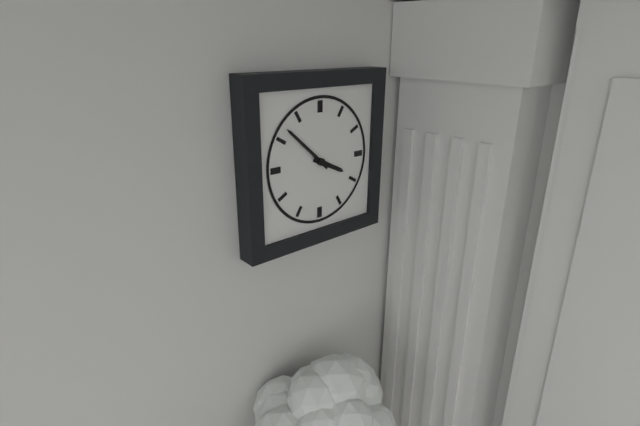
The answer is 3:52
